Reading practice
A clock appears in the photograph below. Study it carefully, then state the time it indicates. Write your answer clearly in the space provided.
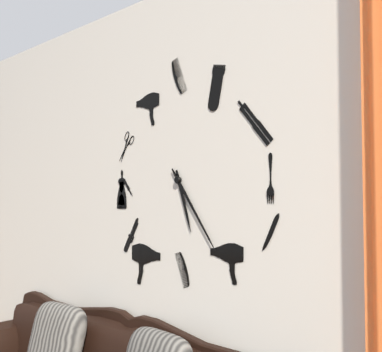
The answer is 5:24
